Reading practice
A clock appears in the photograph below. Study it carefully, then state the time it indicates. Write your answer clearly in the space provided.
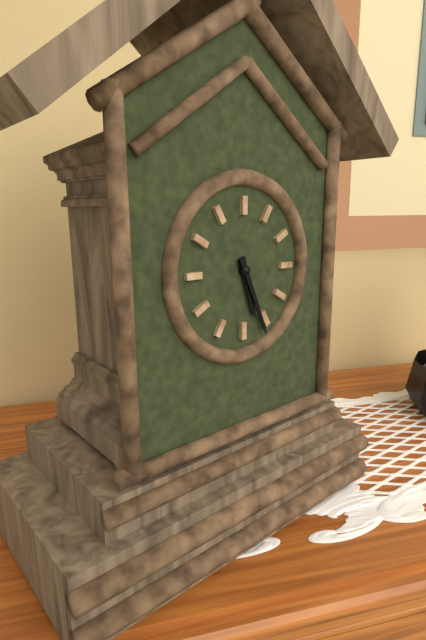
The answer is 5:26
